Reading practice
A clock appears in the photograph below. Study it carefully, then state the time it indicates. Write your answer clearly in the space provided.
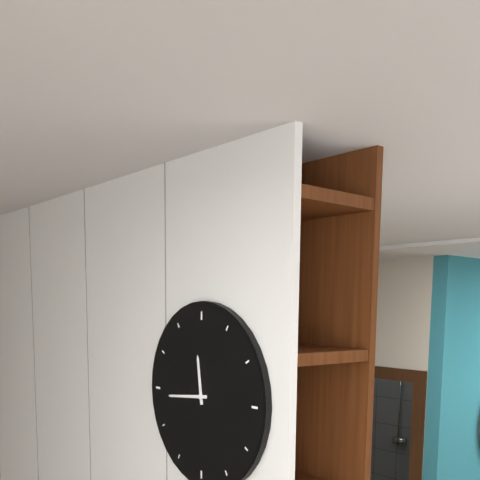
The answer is 11:44
